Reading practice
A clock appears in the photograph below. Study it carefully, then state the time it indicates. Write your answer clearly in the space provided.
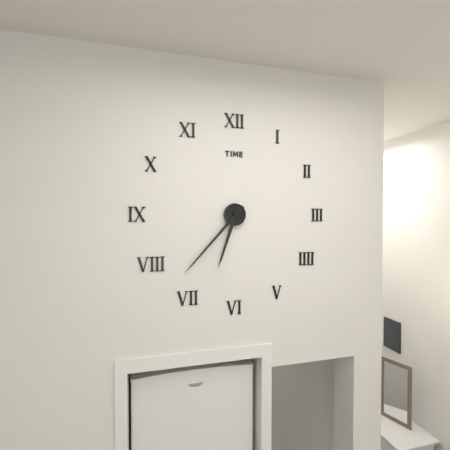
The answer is 6:37
